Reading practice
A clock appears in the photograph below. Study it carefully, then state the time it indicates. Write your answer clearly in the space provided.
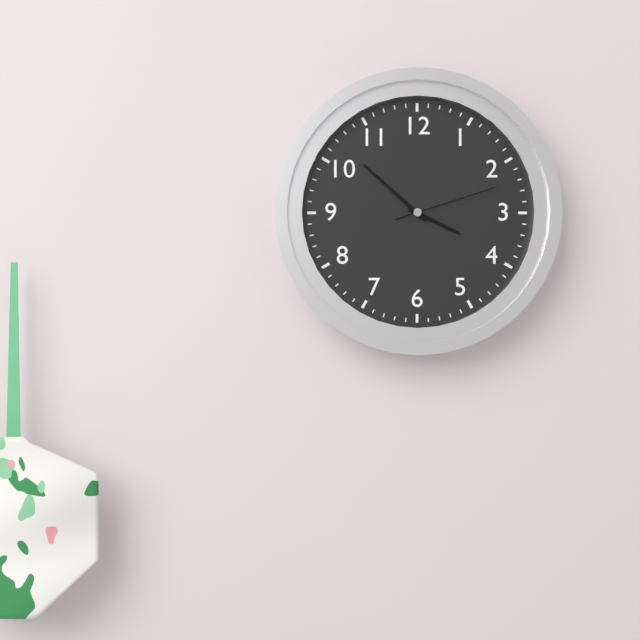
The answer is 3:52:12
